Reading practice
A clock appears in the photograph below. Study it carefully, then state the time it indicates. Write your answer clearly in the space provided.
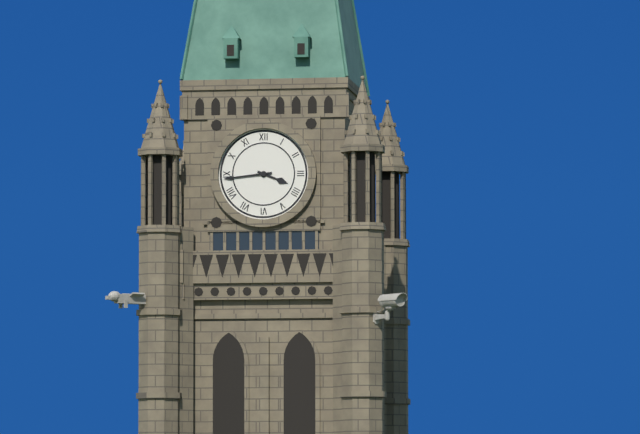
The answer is 3:44
